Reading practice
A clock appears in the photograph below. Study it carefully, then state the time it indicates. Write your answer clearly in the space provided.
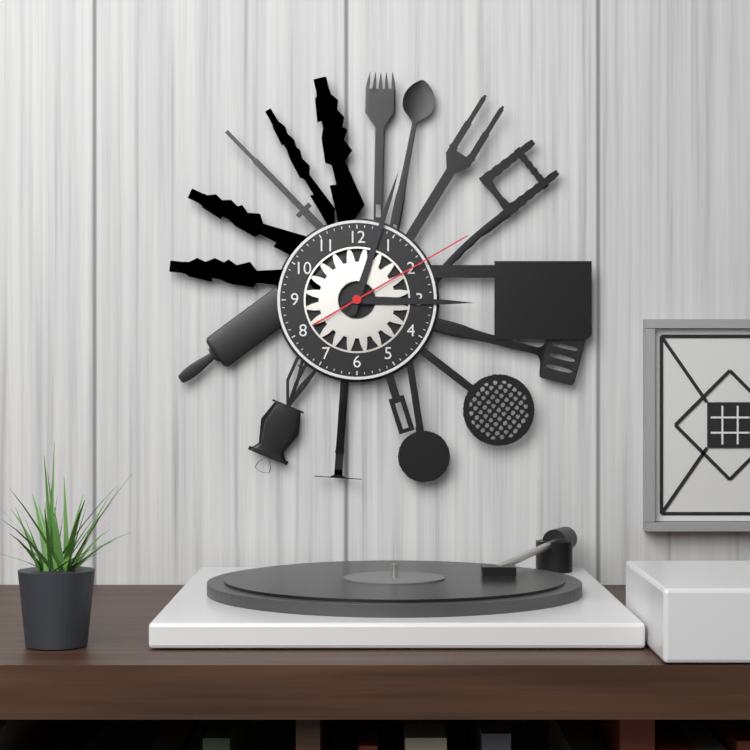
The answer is 3:03:10
